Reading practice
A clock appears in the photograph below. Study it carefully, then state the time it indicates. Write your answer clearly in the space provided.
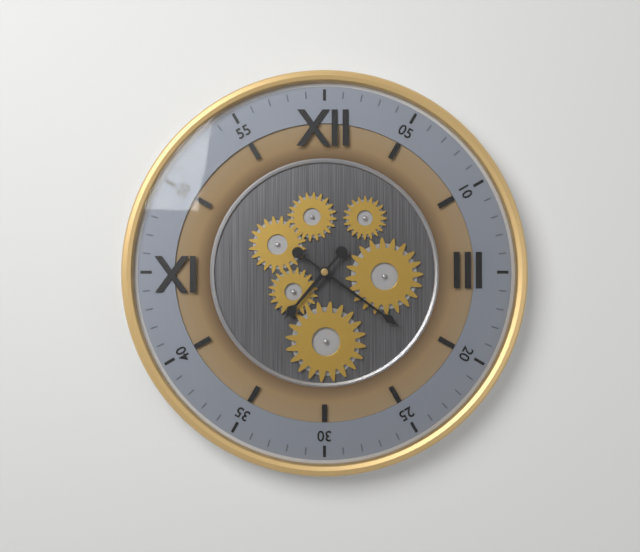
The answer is 7:21
